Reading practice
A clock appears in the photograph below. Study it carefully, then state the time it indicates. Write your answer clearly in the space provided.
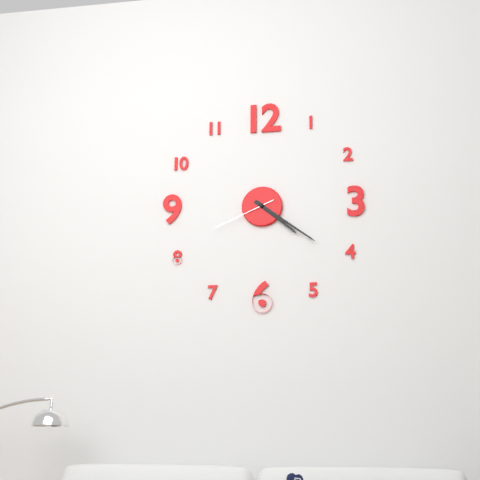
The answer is 4:21:41
